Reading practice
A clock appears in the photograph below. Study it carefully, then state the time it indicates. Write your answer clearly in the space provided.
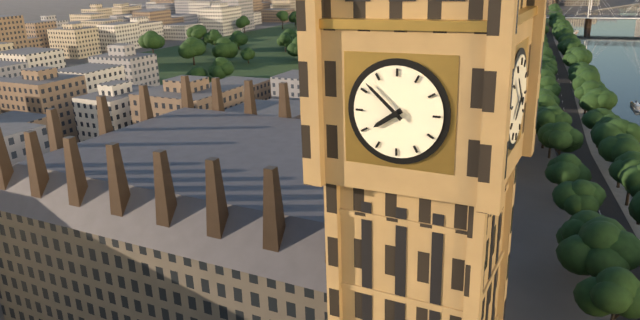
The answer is 7:52
